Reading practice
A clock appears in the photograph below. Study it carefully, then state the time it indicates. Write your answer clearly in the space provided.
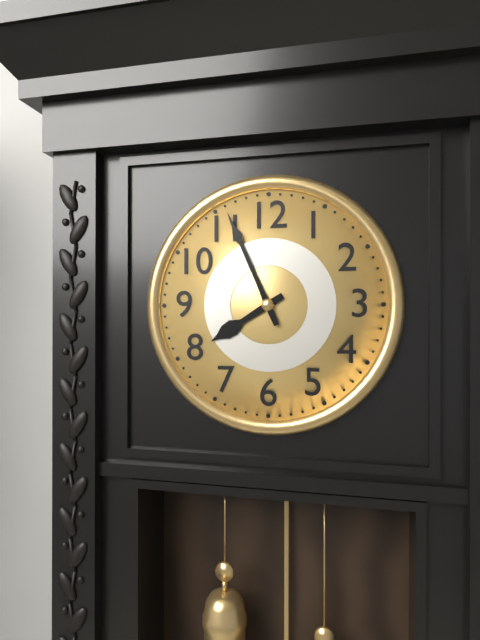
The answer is 7:56
